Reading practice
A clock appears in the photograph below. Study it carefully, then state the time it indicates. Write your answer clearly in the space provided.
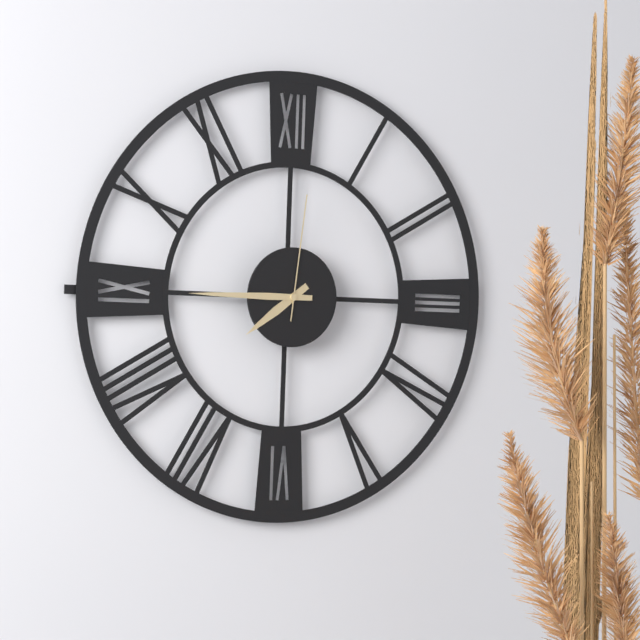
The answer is 7:45:01
